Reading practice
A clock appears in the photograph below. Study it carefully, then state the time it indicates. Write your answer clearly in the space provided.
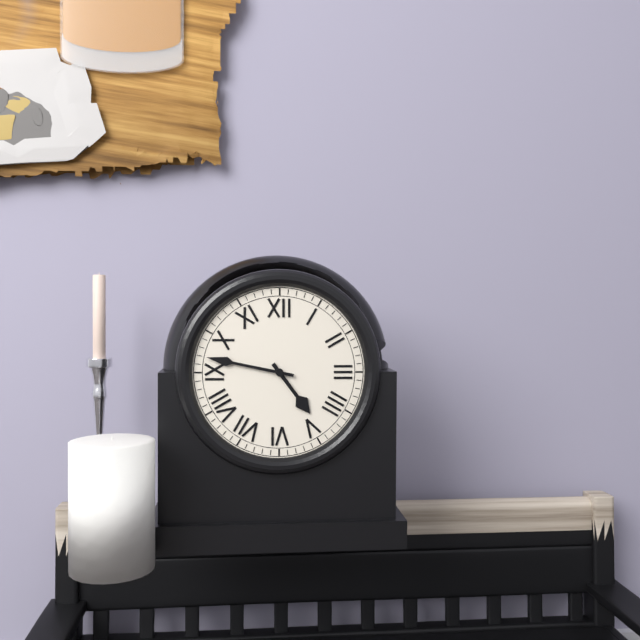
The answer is 4:47
